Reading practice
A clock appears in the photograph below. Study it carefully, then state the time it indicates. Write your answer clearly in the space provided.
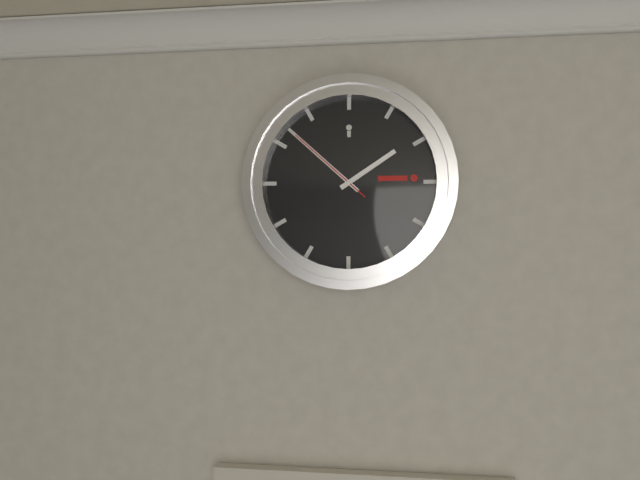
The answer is 1:52:52
